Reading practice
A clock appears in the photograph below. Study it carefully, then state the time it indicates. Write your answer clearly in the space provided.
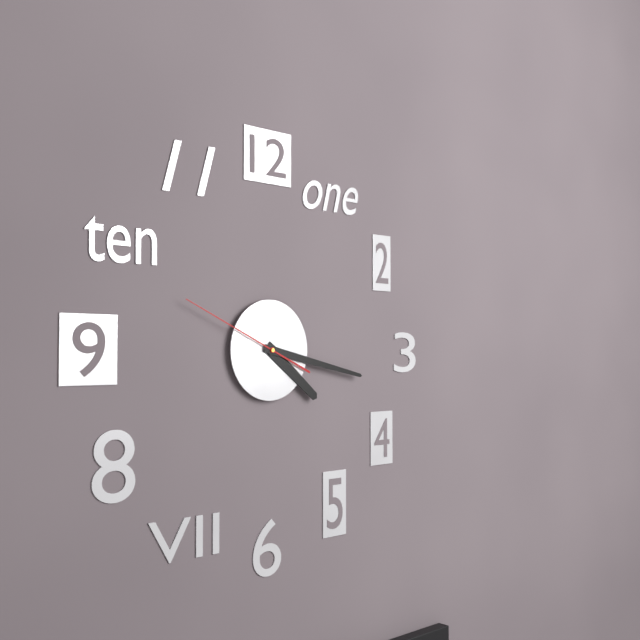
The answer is 4:17:49
